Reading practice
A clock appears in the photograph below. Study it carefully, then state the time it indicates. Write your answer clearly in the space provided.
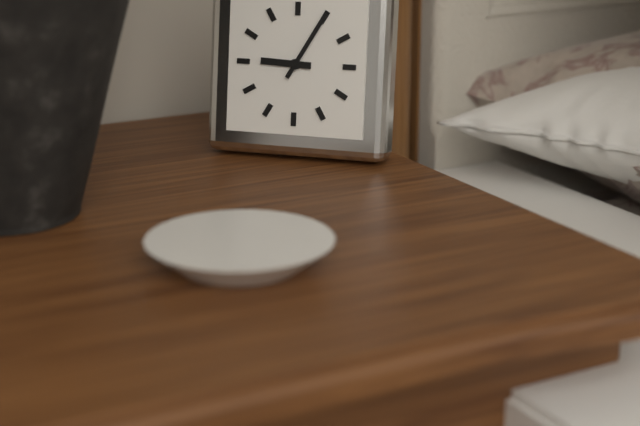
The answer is 9:05
